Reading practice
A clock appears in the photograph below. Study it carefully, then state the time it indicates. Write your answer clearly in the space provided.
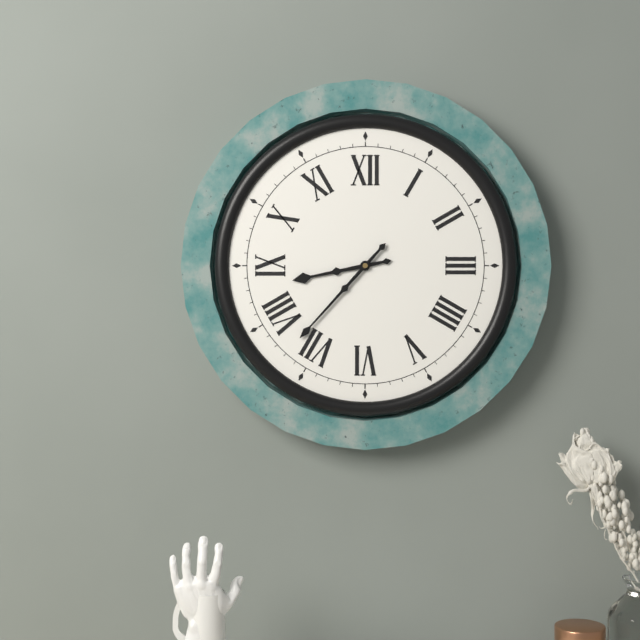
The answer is 8:37
